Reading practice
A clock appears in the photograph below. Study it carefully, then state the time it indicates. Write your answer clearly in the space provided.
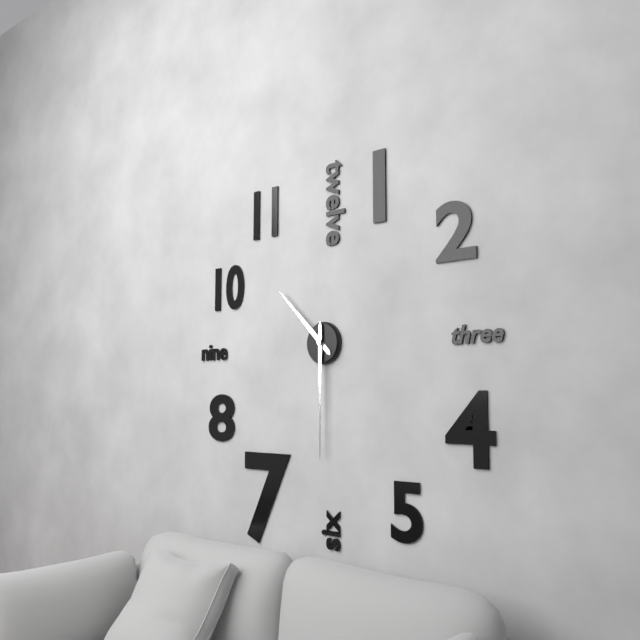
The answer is 10:30
